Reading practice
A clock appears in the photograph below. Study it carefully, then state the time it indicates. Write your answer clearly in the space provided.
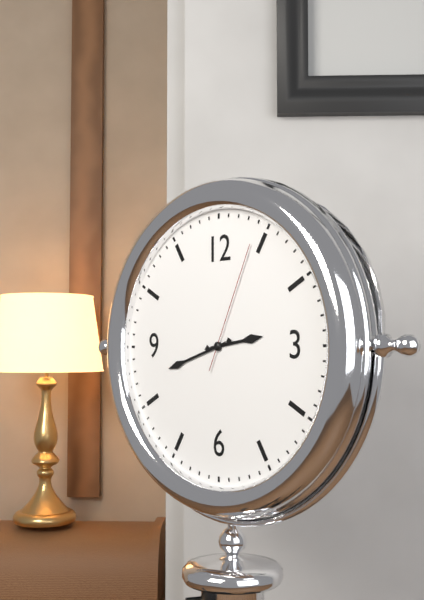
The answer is 2:42:04
